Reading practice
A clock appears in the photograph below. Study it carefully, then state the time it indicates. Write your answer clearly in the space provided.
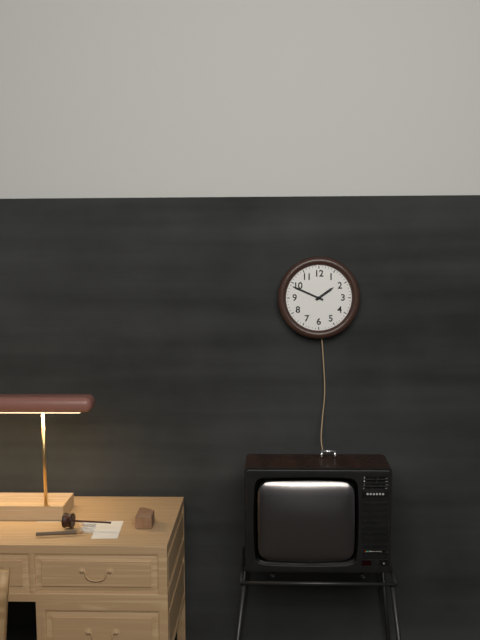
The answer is 1:49
